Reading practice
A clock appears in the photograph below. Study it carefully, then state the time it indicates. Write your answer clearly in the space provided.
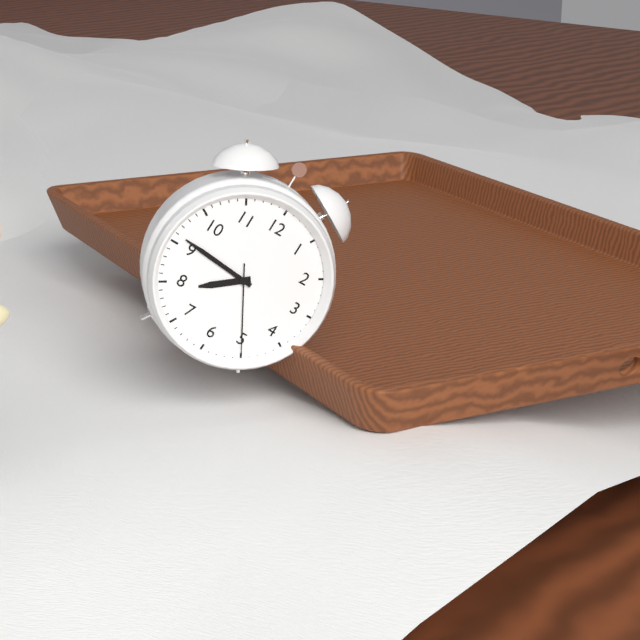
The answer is 7:46:25
